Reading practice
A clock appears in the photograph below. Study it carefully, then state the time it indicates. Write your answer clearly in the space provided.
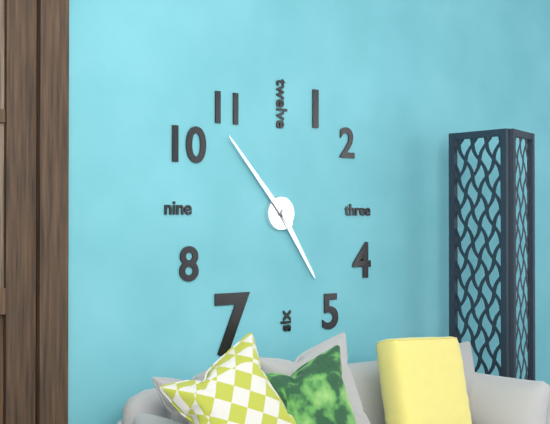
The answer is 4:53
